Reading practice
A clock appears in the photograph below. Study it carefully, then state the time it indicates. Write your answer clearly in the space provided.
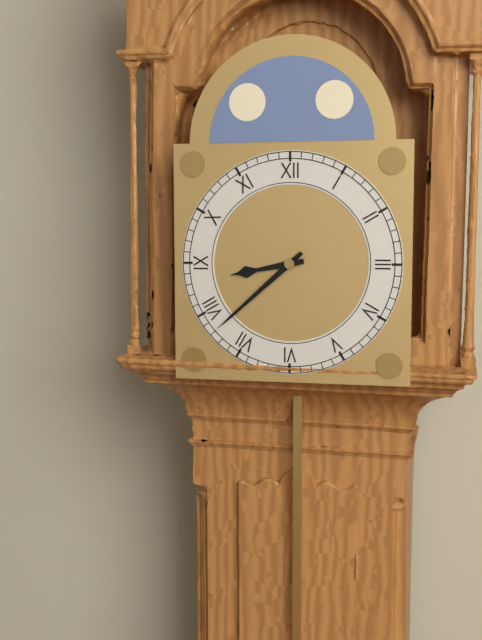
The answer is 8:38
